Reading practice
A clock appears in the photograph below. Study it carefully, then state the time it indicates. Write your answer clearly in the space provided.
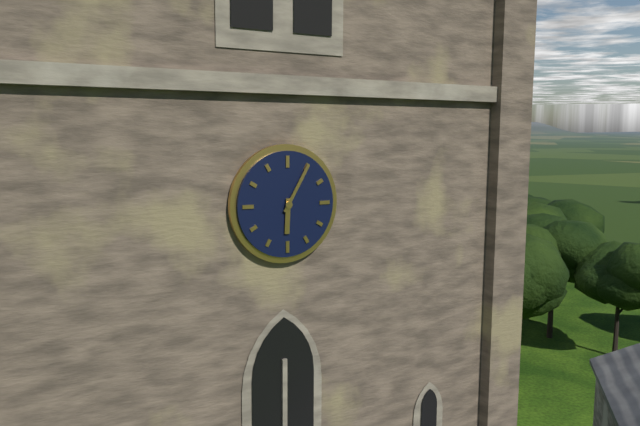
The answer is 6:05
